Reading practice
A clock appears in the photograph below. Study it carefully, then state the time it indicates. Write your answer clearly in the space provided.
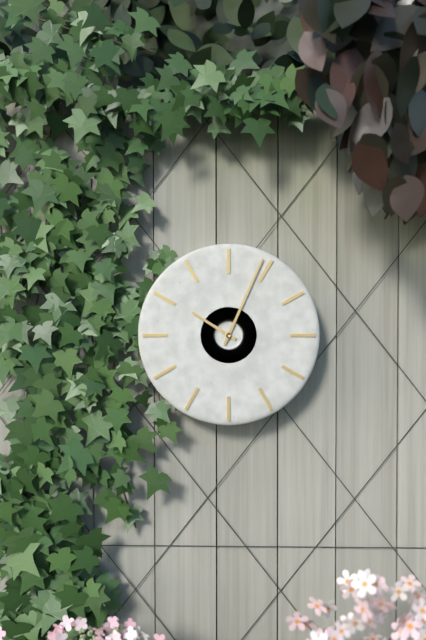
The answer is 10:04
